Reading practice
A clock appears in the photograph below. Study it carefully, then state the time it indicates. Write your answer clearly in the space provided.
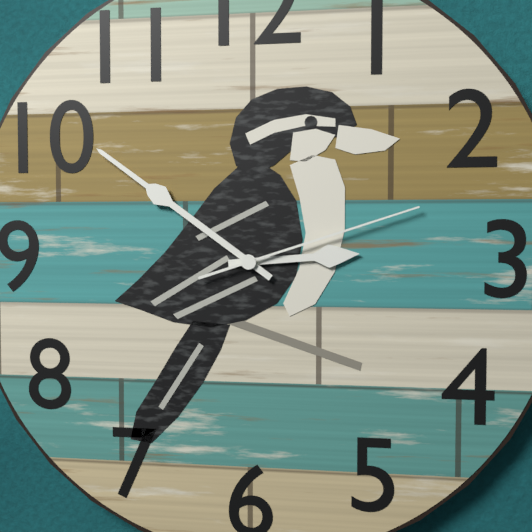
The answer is 2:51:12
